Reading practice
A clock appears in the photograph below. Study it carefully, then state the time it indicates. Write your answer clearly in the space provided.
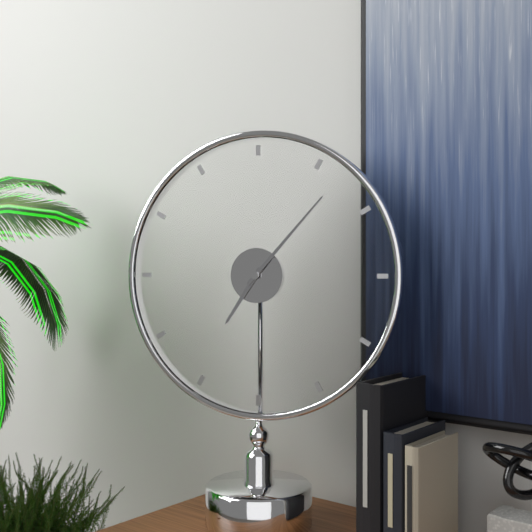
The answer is 7:07
